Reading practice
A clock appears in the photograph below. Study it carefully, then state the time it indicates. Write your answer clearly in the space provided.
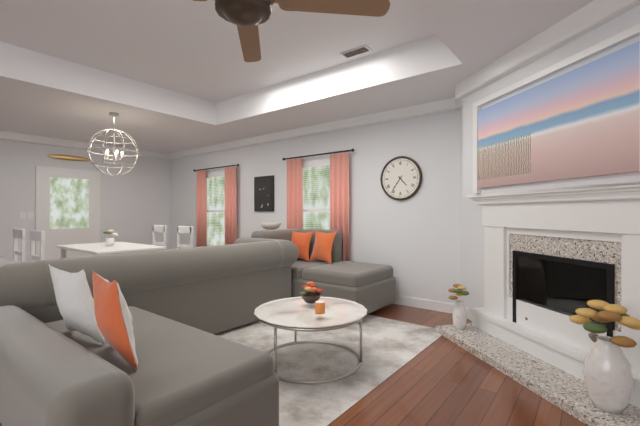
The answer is 4:36
